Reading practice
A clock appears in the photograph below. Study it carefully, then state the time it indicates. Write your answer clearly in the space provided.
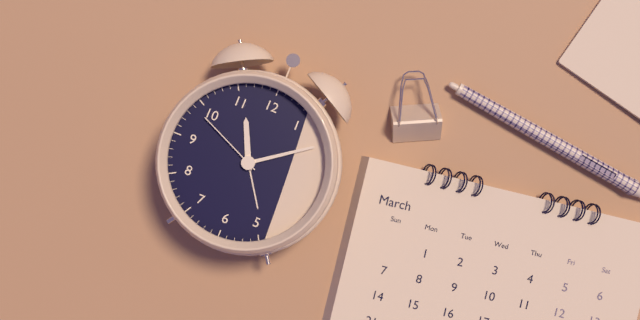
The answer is 11:09:49
